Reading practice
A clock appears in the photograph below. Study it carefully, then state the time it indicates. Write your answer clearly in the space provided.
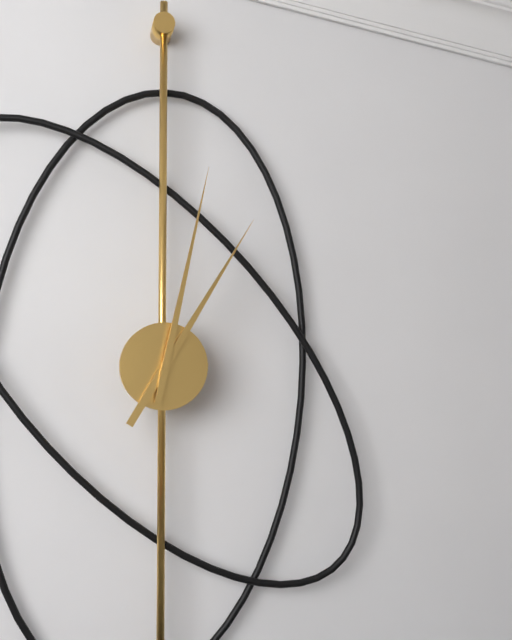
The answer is 1:02
